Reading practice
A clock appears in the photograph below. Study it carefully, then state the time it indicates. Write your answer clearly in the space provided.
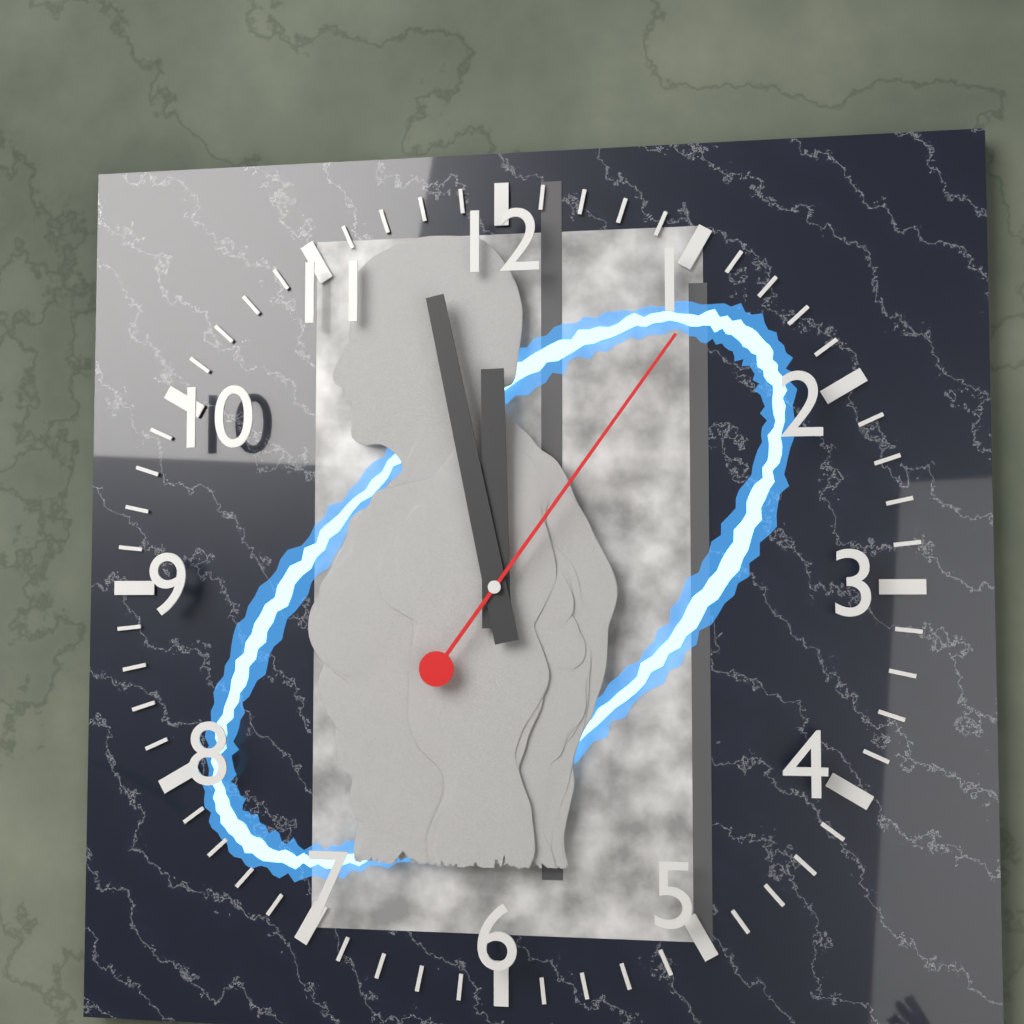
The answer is 11:58:06
